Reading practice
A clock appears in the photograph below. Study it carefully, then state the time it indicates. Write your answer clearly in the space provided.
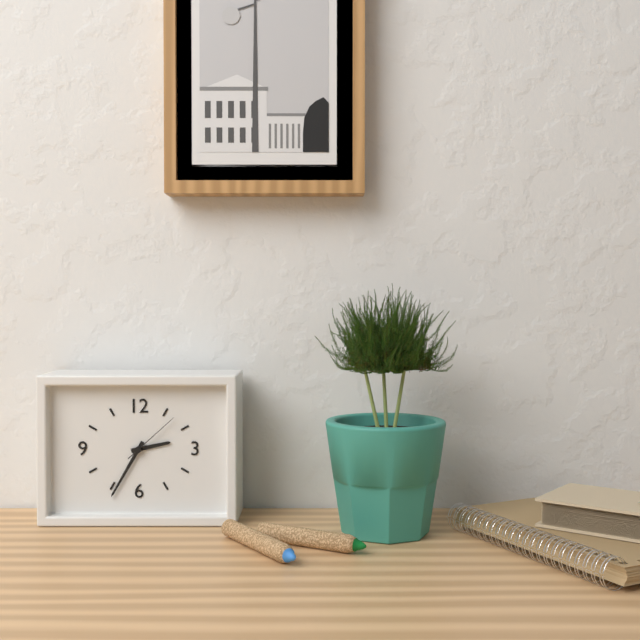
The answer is 2:35:08
